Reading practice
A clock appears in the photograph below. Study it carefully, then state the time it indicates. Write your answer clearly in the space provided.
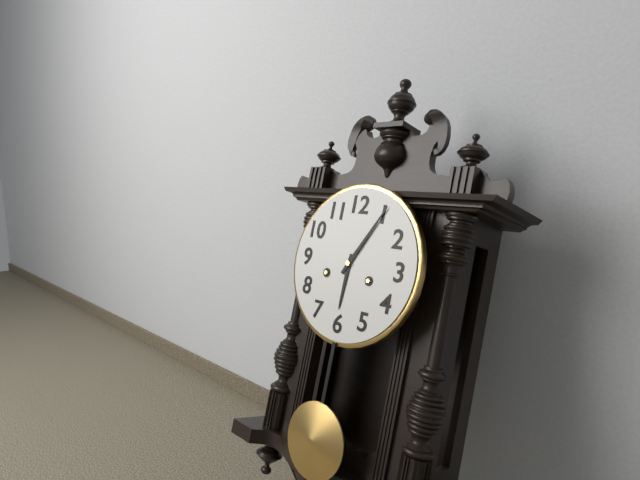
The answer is 6:05
